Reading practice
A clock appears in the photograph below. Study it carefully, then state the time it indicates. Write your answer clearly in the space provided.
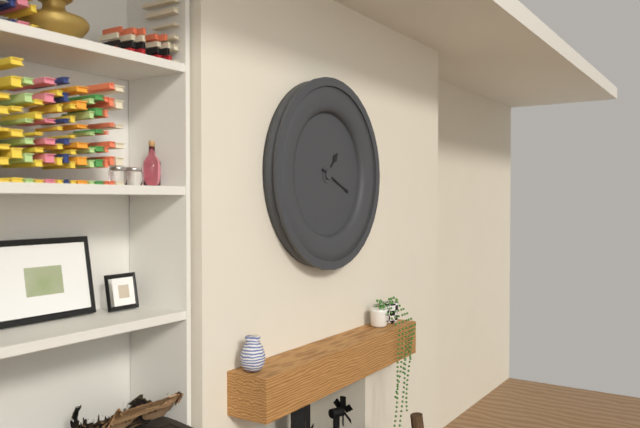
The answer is 1:19
